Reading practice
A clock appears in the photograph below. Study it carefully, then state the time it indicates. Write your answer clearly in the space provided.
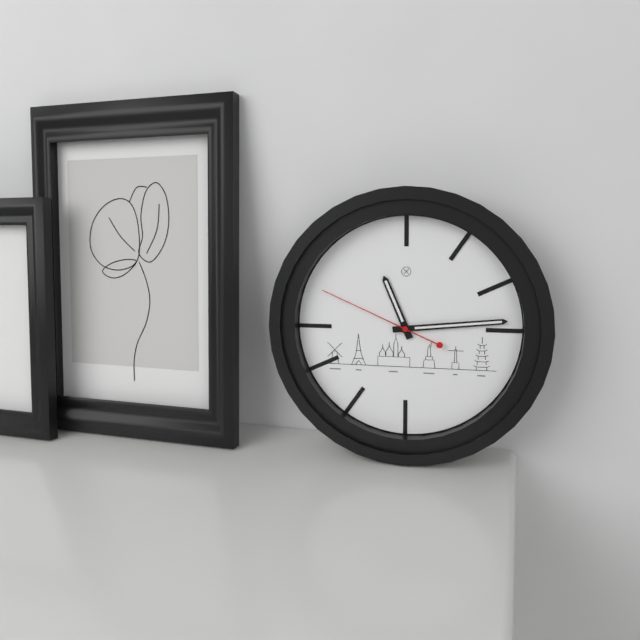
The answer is 11:14:49
